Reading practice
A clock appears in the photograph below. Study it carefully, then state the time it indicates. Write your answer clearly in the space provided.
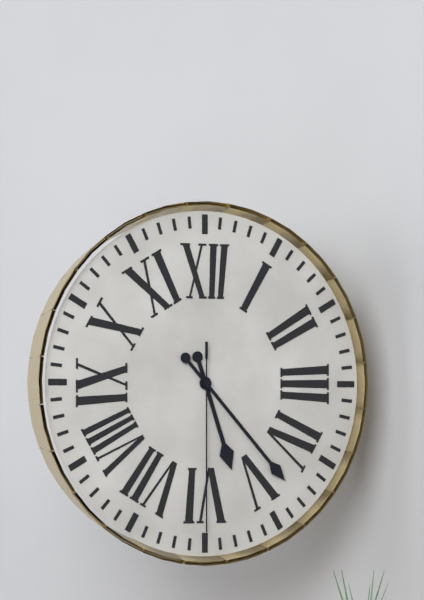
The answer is 5:23:30
